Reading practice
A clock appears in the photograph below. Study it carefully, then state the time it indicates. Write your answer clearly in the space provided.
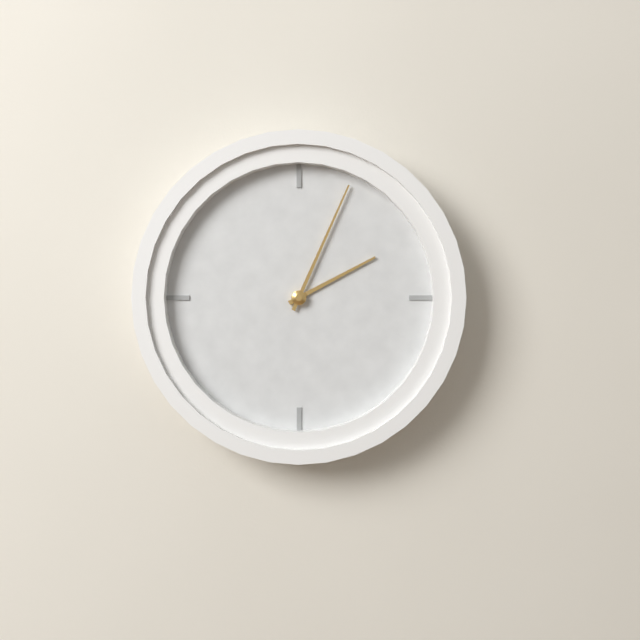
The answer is 2:04
